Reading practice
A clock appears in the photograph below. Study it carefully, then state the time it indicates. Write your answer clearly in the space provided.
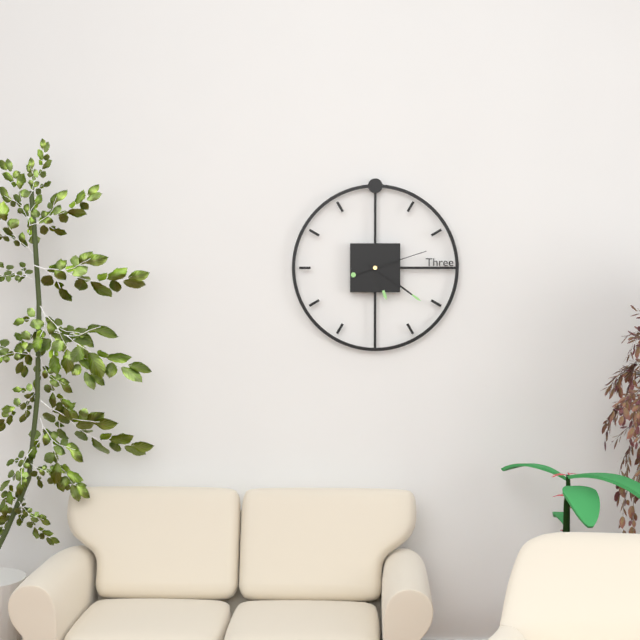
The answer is 5:21:12
